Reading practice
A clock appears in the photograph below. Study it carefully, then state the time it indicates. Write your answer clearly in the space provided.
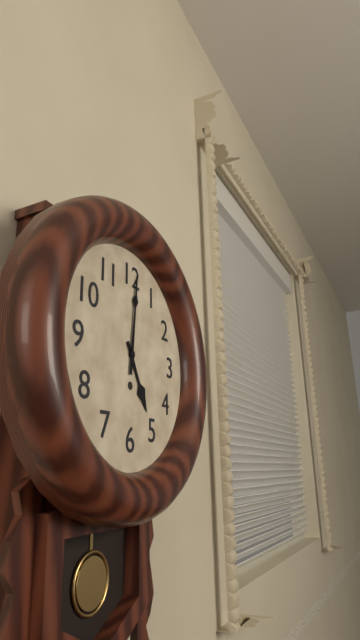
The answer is 5:01
